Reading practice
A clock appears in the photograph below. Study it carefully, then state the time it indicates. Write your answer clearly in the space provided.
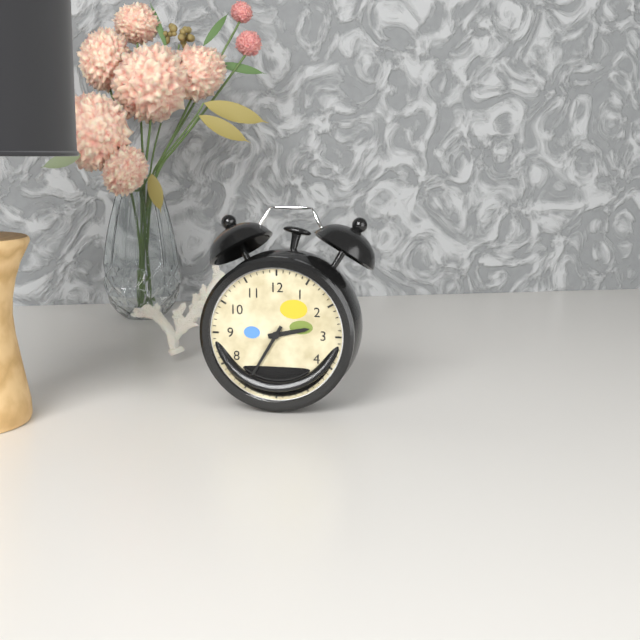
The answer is 2:35
